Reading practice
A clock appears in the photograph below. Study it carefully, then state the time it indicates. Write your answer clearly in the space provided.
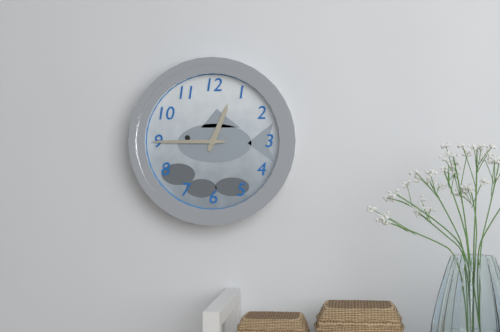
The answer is 12:45
